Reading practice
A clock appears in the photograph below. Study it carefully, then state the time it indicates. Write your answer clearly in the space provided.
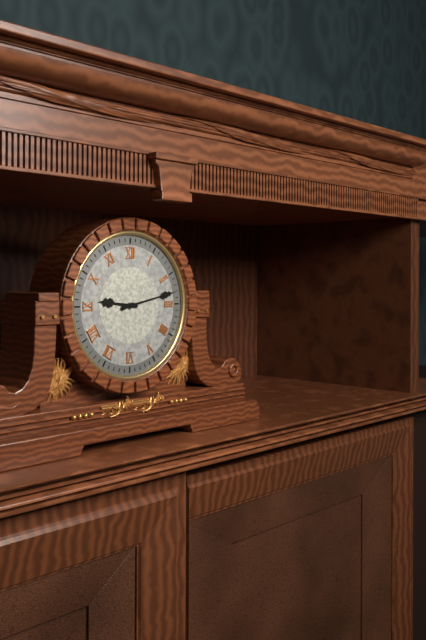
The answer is 9:13
